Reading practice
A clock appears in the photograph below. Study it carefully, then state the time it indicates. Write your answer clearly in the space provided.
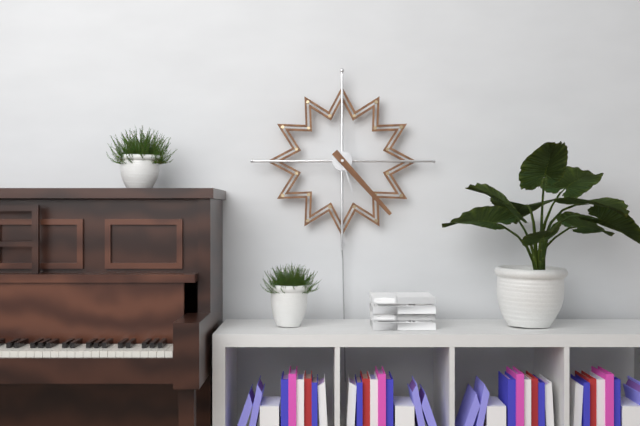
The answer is 5:23
